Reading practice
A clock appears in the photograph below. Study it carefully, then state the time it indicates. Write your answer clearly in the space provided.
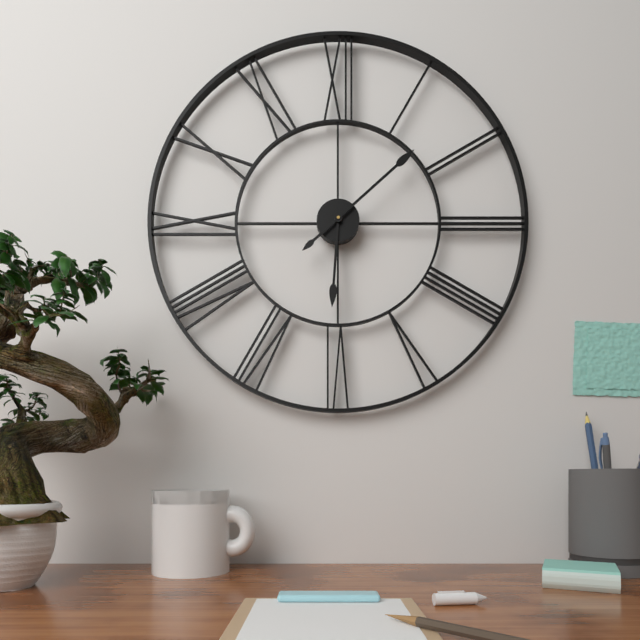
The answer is 6:08
